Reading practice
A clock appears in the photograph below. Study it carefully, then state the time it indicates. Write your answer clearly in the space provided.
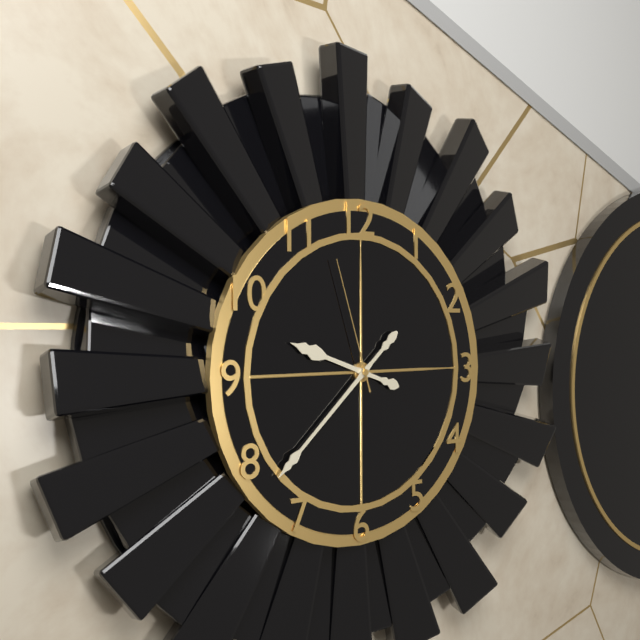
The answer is 9:38:57
